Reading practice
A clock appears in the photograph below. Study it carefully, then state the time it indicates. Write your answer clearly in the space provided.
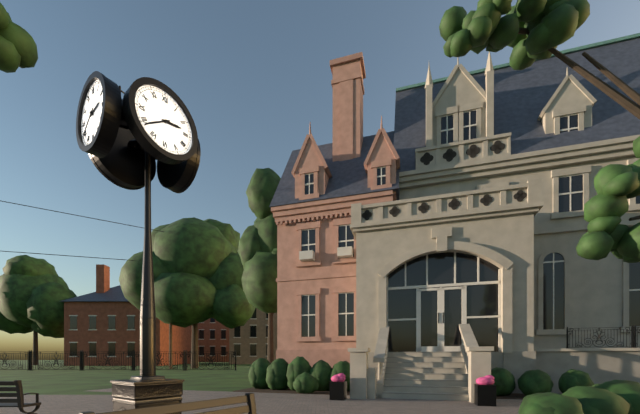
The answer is 2:39
